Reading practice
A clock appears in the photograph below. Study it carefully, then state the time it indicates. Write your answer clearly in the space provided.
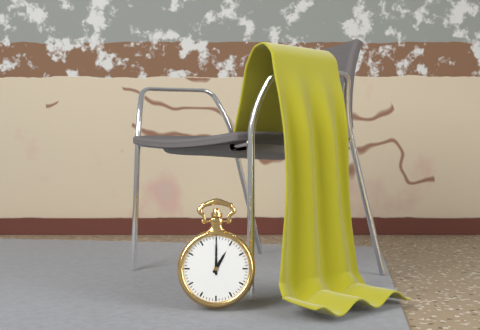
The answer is 1:00
